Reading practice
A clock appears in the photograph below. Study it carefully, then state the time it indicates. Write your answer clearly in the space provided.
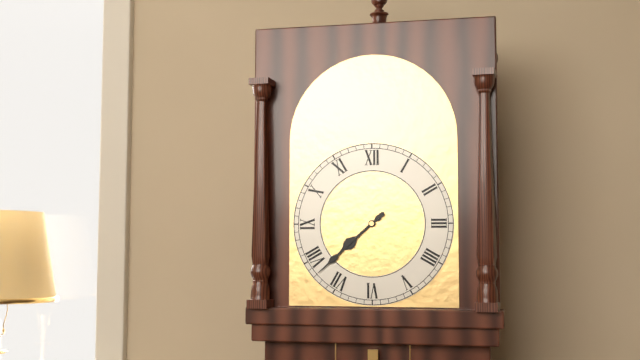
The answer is 7:38
